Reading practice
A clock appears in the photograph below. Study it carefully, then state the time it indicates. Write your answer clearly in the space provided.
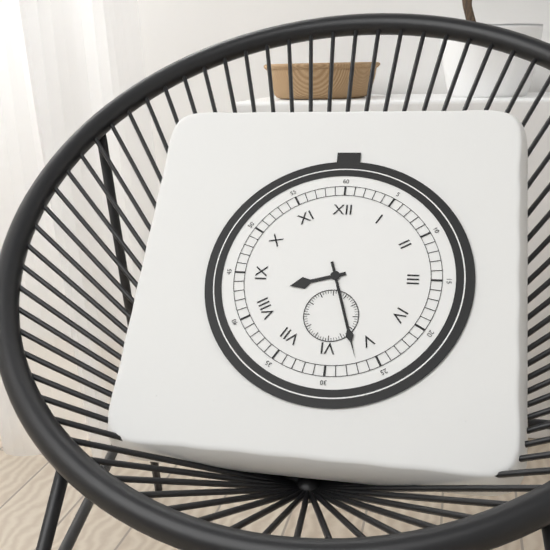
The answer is 8:27
